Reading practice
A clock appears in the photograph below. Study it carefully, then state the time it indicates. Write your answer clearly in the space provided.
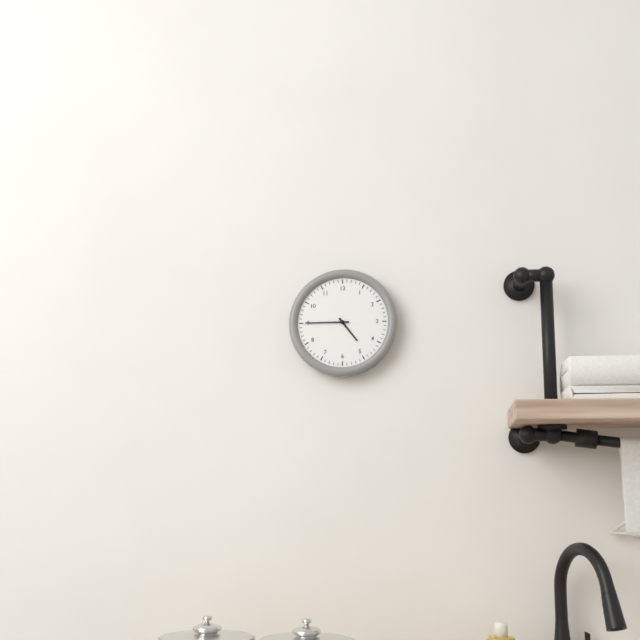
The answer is 4:45
